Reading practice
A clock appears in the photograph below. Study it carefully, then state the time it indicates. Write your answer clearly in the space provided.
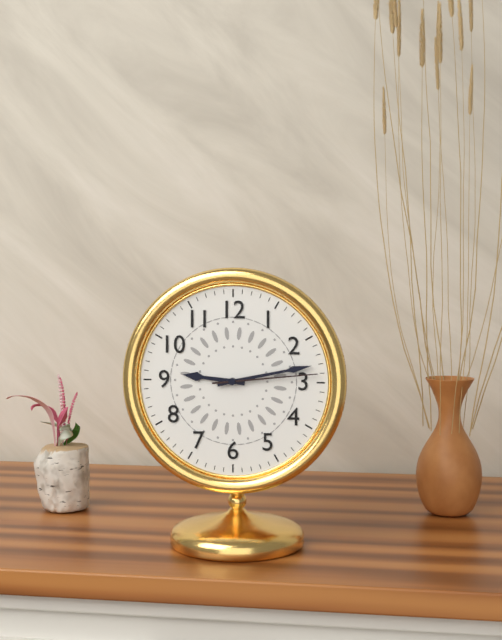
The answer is 9:13:14
